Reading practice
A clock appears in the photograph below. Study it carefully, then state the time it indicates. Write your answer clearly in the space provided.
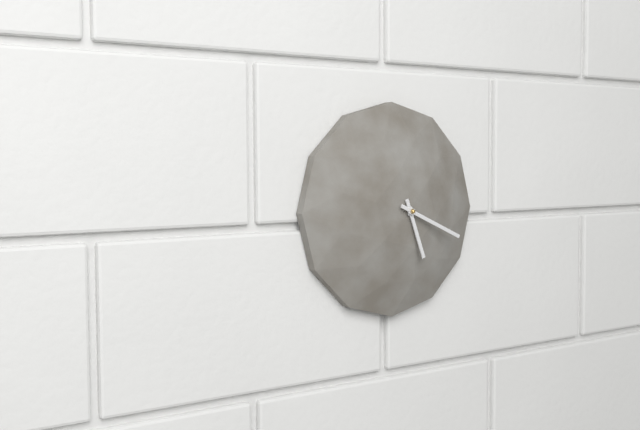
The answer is 5:19
